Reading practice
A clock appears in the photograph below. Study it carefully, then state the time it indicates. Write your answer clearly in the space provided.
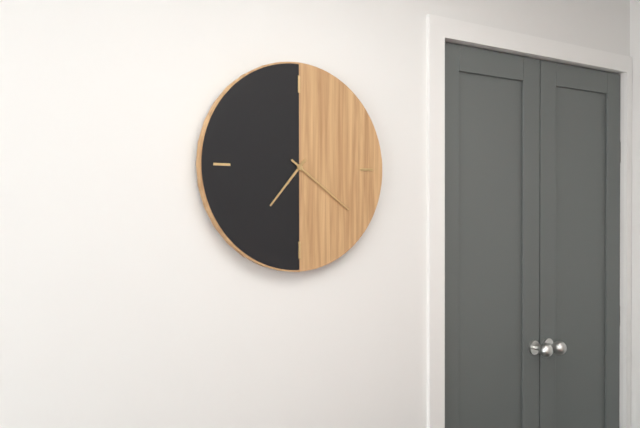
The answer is 7:21
